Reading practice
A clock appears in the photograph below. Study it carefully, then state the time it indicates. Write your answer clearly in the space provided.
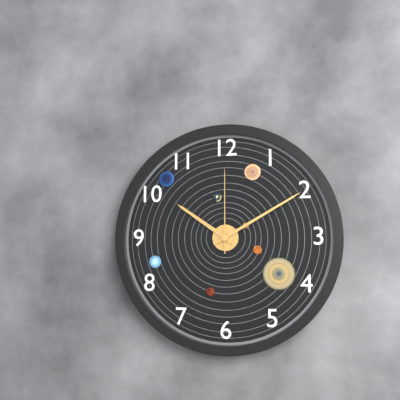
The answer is 10:10:00
